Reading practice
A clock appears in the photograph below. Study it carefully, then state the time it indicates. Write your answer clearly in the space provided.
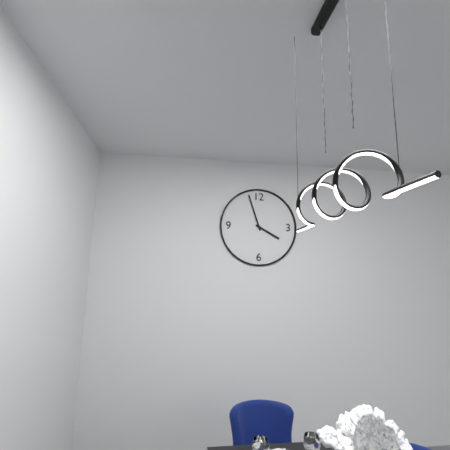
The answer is 3:57
